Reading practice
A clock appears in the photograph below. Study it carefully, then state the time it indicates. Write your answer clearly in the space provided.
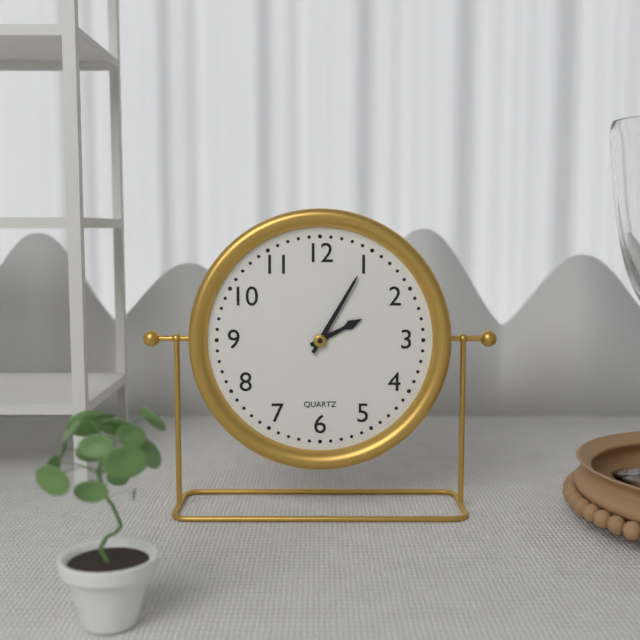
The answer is 2:05
